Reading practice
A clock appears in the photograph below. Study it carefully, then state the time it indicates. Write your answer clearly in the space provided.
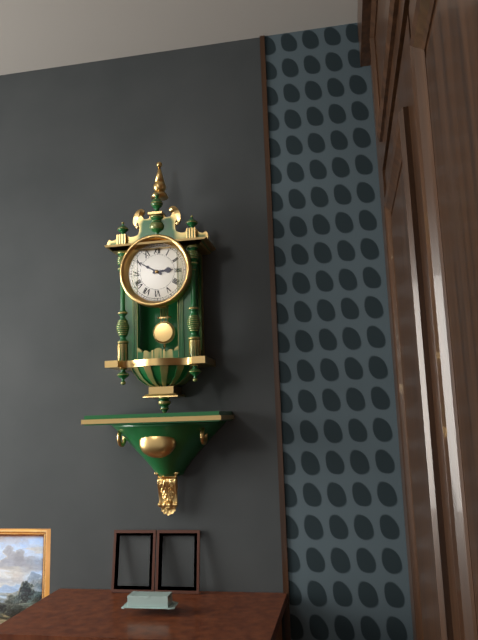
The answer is 2:50
